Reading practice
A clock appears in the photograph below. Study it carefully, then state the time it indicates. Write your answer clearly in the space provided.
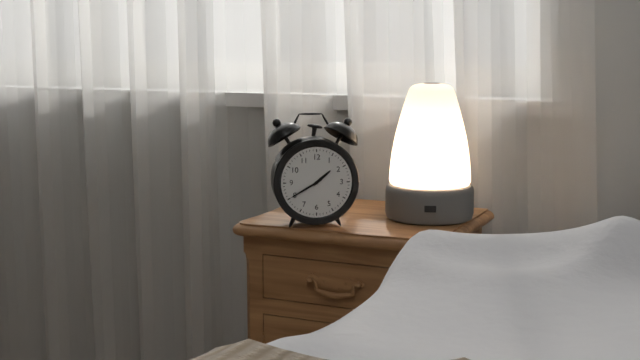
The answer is 1:40
